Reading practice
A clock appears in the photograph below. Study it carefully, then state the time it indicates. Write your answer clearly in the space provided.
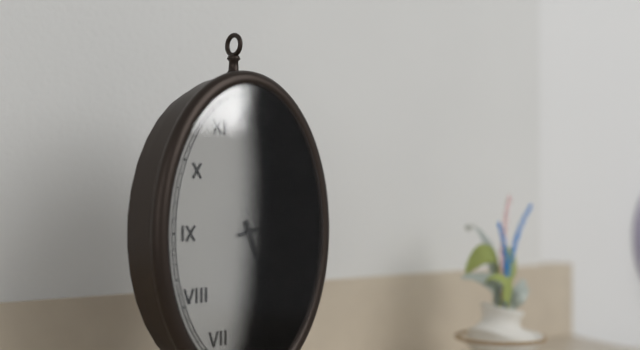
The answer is 5:13
